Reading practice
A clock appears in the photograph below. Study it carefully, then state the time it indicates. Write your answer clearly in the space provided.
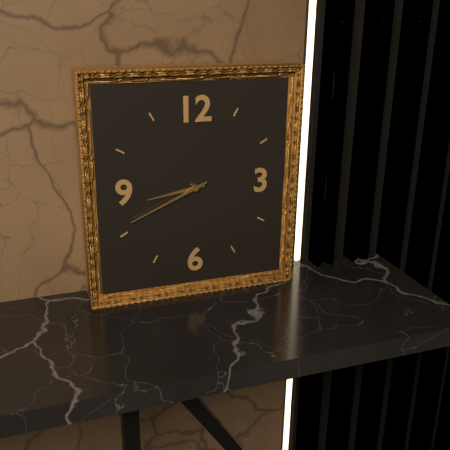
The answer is 8:41
